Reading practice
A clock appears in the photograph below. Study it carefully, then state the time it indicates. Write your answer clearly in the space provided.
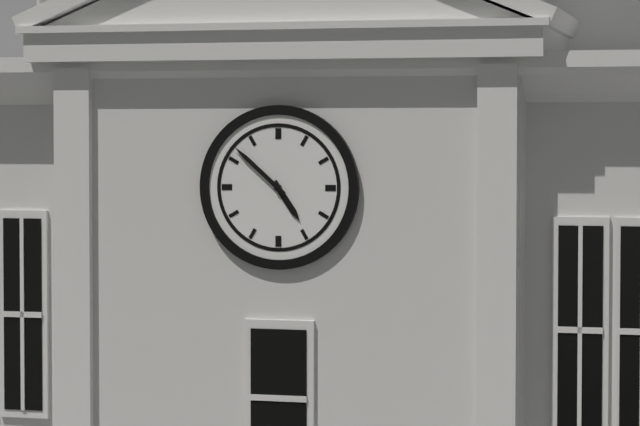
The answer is 4:52
